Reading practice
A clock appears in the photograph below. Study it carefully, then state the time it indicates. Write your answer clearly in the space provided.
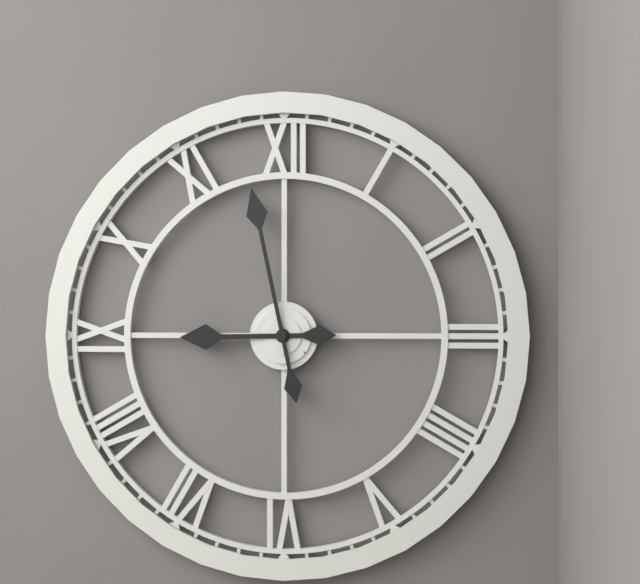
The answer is 8:58
